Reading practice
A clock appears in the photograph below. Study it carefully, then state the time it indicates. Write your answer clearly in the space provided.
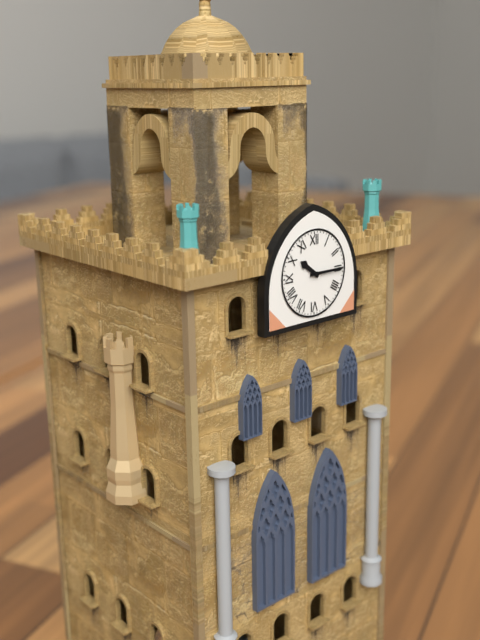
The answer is 10:15
